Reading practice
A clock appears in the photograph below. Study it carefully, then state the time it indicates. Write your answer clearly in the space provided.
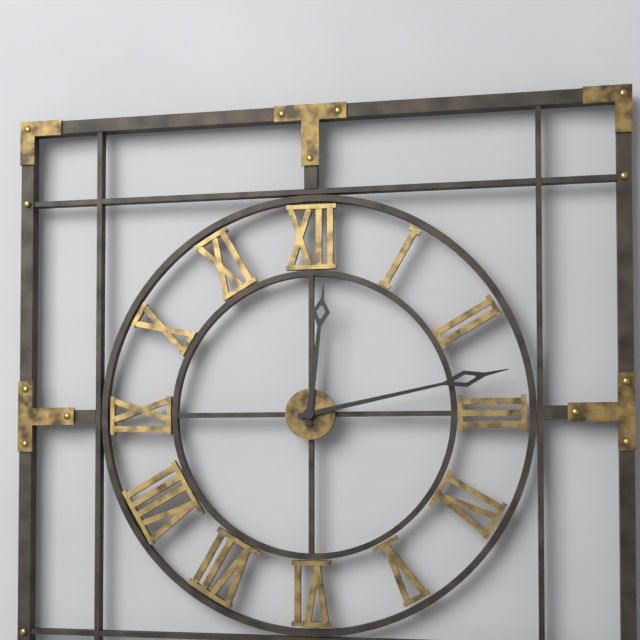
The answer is 12:13
